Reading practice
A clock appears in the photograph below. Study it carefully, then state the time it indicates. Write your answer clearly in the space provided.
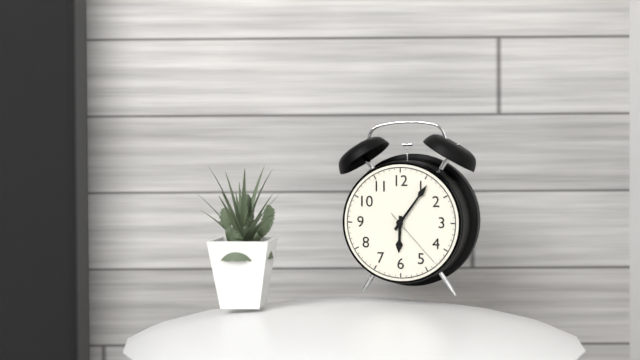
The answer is 6:06:23
